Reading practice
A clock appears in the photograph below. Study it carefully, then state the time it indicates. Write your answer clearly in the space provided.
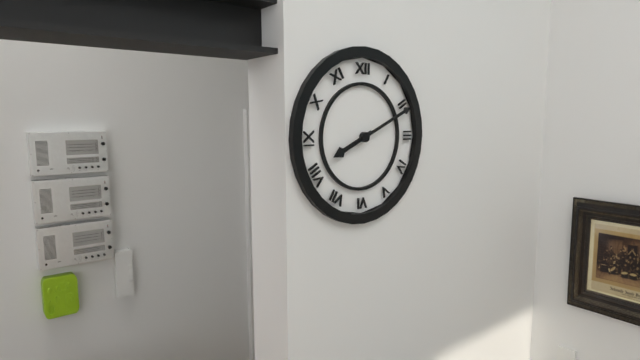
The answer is 8:11
